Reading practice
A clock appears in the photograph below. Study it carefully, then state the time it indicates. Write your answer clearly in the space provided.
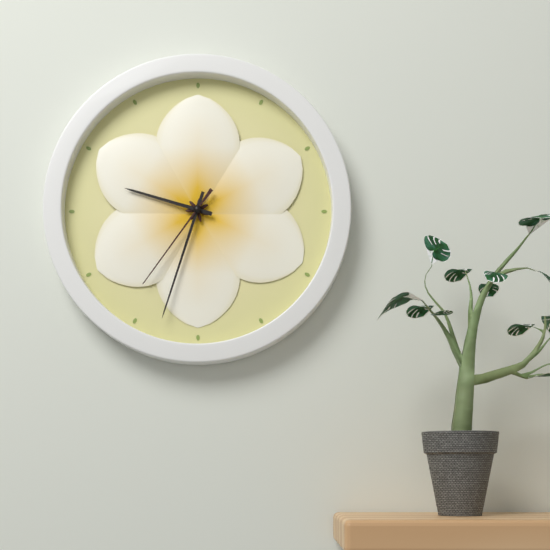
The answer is 9:33:36
